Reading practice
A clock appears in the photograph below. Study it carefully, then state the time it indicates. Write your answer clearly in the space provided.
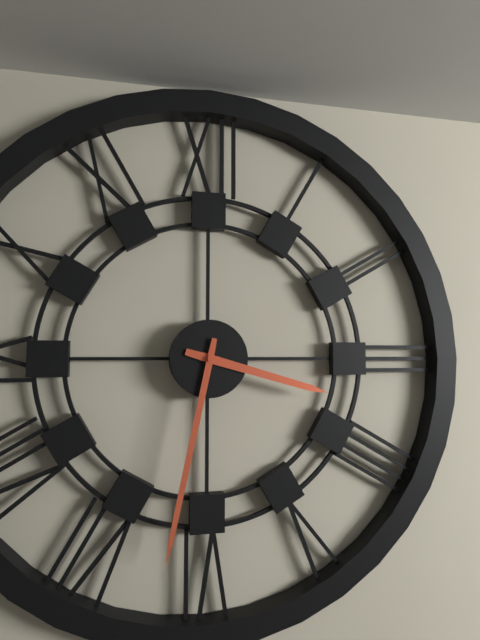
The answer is 3:32
